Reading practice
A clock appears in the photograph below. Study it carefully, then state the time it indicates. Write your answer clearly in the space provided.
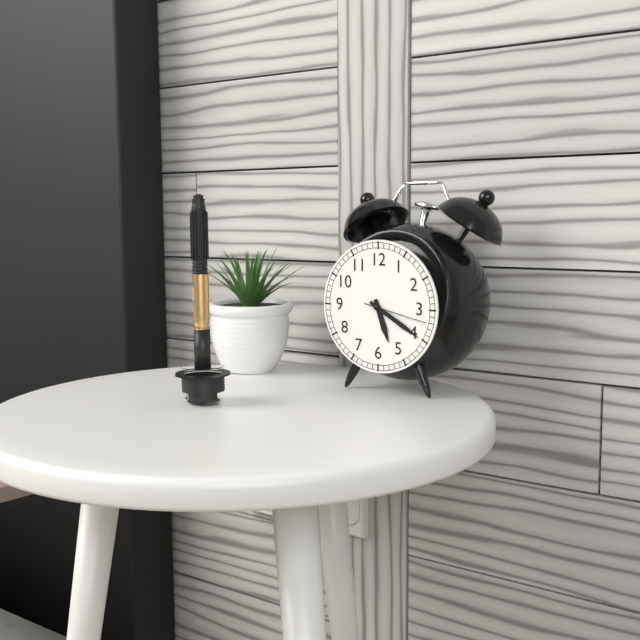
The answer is 5:20:17
